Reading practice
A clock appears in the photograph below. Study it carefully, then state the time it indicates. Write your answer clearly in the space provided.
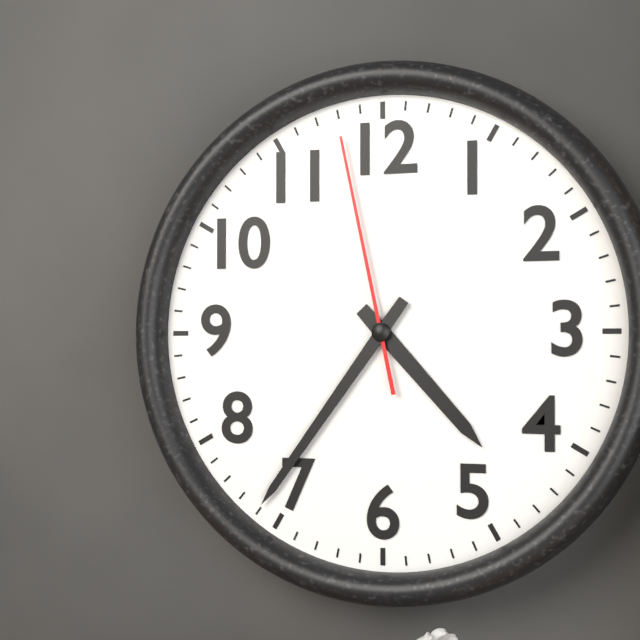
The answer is 4:36:58
